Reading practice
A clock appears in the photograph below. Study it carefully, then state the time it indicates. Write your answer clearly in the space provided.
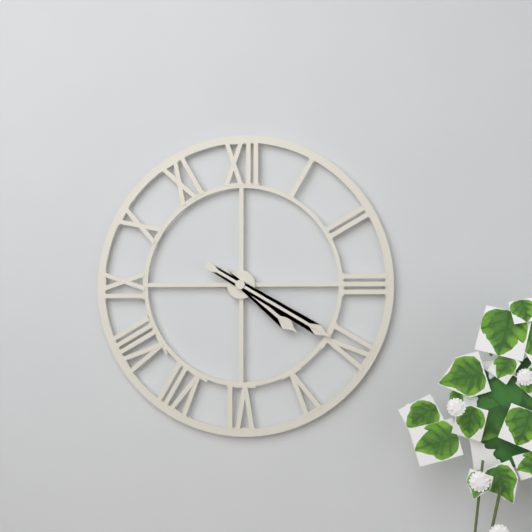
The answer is 4:20
